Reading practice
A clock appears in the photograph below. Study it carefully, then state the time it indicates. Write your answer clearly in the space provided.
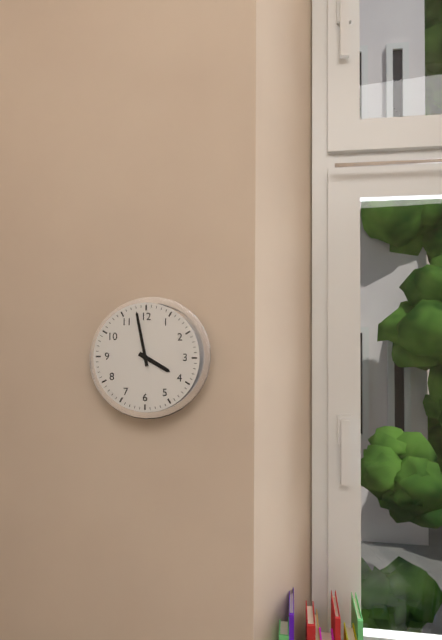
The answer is 3:58
